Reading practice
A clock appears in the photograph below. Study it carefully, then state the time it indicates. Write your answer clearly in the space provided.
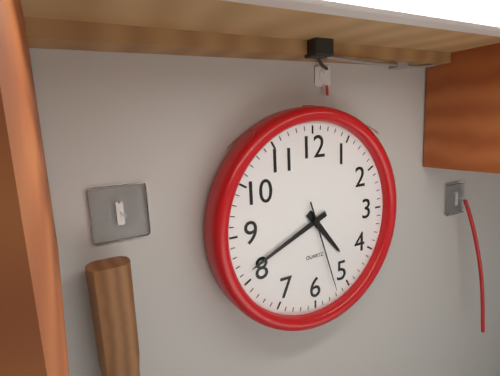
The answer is 4:41:27
